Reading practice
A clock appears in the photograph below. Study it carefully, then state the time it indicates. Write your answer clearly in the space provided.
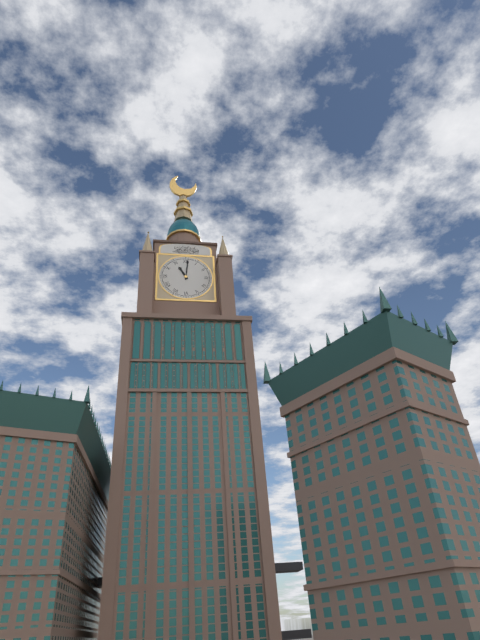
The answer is 11:01
